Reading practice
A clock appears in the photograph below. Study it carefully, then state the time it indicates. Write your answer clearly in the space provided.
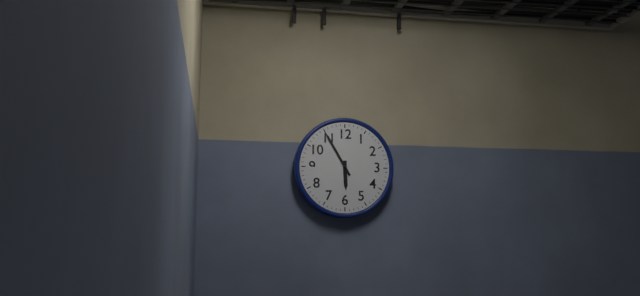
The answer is 5:55
